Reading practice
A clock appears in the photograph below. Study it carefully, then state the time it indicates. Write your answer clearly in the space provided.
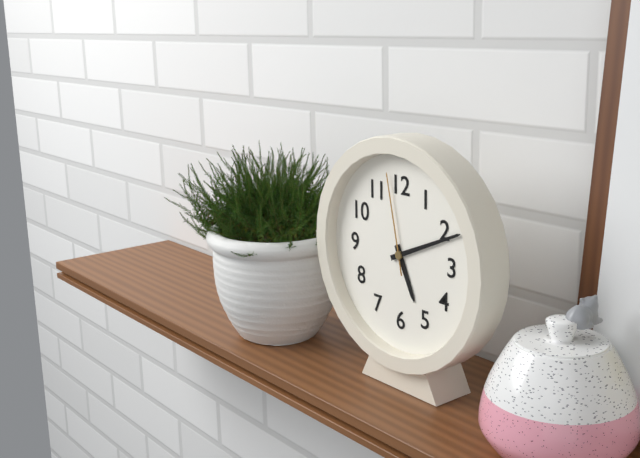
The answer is 5:11:58
